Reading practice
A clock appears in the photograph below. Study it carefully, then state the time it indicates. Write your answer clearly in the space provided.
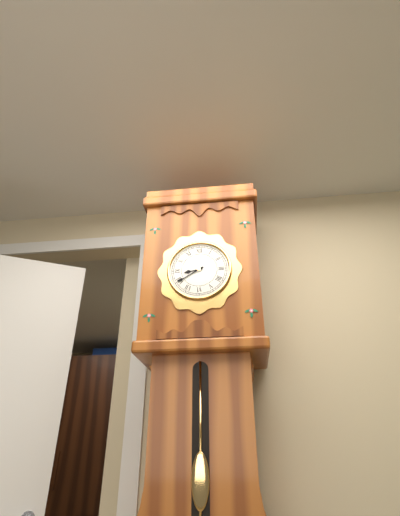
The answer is 8:40
